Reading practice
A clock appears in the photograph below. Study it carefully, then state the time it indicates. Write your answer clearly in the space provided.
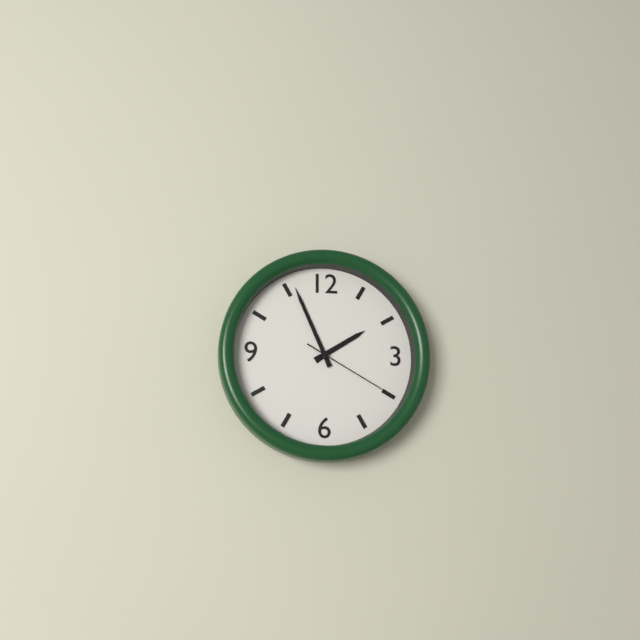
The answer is 1:56:20
